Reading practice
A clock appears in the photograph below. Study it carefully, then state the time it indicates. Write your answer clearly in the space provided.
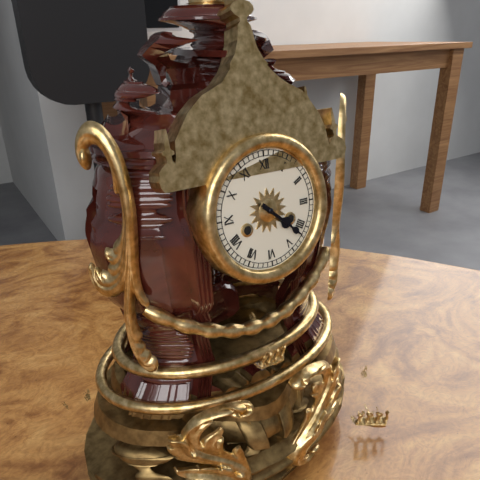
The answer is 4:22
